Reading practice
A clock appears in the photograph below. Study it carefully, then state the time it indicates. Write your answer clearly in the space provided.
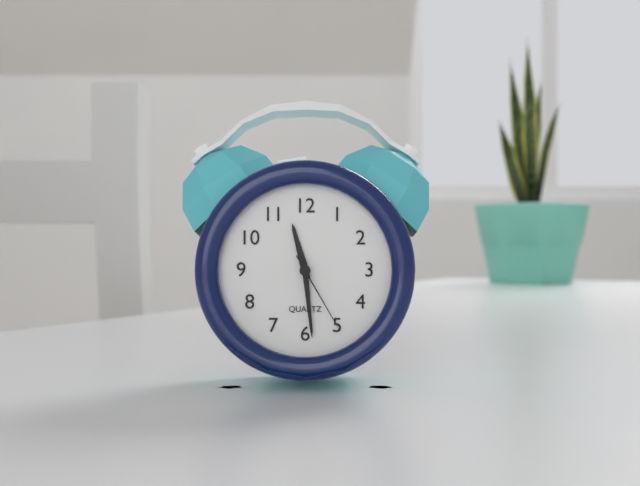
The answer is 11:29:25
